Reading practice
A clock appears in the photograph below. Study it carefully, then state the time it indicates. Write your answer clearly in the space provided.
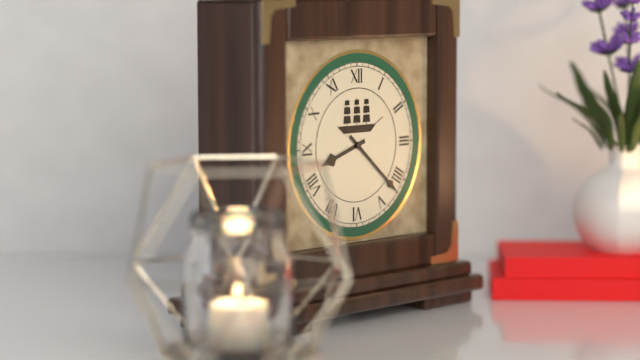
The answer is 8:22
